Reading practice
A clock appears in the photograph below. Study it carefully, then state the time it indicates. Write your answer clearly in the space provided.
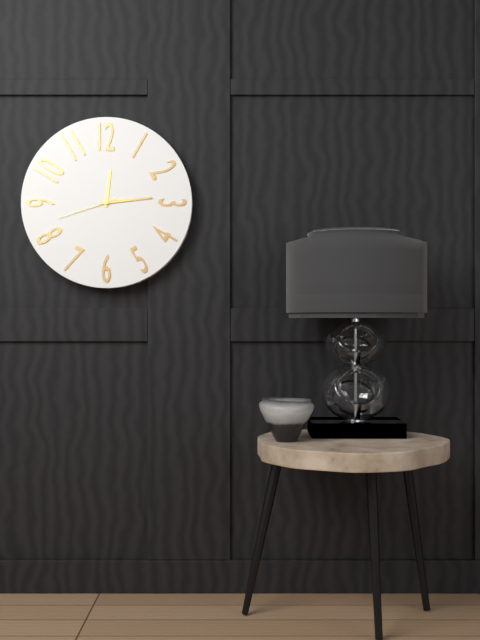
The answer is 12:14:42
